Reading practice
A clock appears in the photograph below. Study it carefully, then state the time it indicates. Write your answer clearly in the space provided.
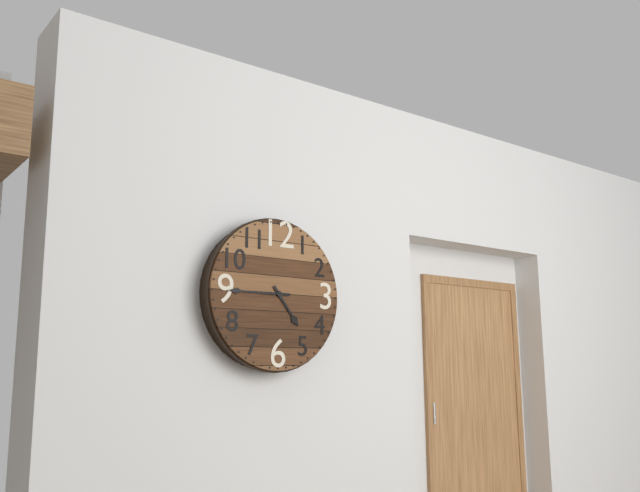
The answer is 4:45
